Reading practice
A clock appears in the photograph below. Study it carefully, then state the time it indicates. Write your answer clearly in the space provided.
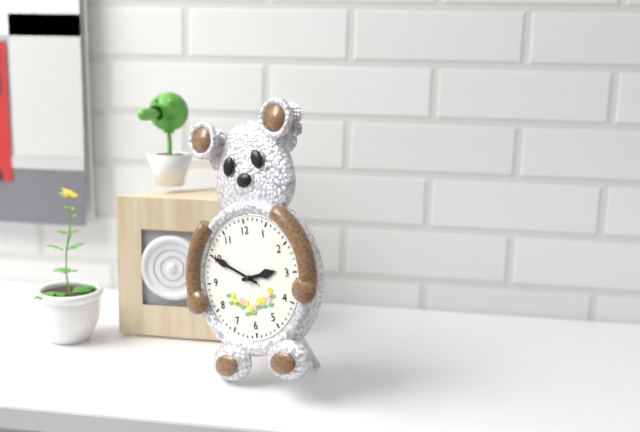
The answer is 2:50
